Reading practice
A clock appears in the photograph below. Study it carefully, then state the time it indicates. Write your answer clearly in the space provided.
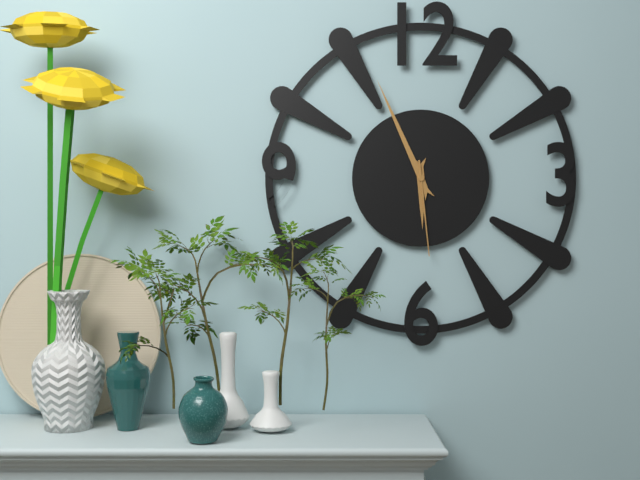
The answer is 5:56:29
